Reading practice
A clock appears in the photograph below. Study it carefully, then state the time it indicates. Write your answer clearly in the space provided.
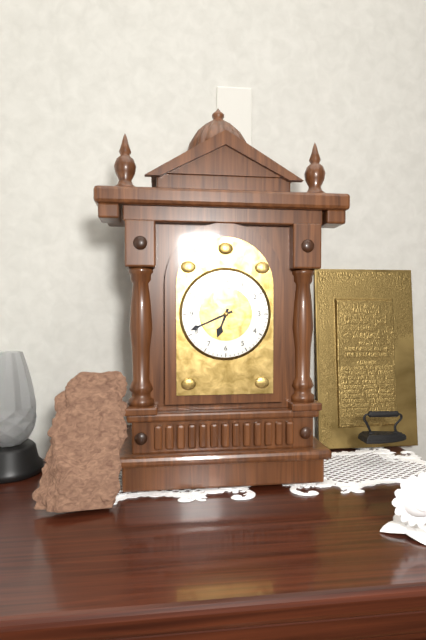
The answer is 6:41
